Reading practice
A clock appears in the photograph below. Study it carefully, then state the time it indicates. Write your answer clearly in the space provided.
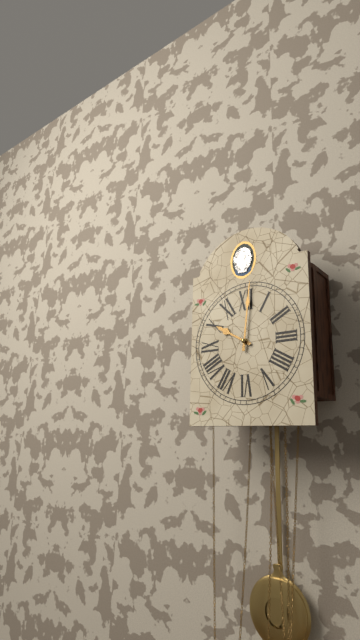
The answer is 10:01
